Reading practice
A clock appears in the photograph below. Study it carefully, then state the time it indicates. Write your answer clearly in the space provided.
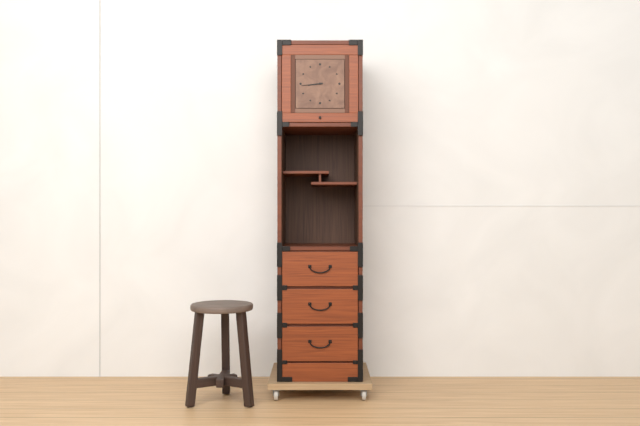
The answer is 8:44
